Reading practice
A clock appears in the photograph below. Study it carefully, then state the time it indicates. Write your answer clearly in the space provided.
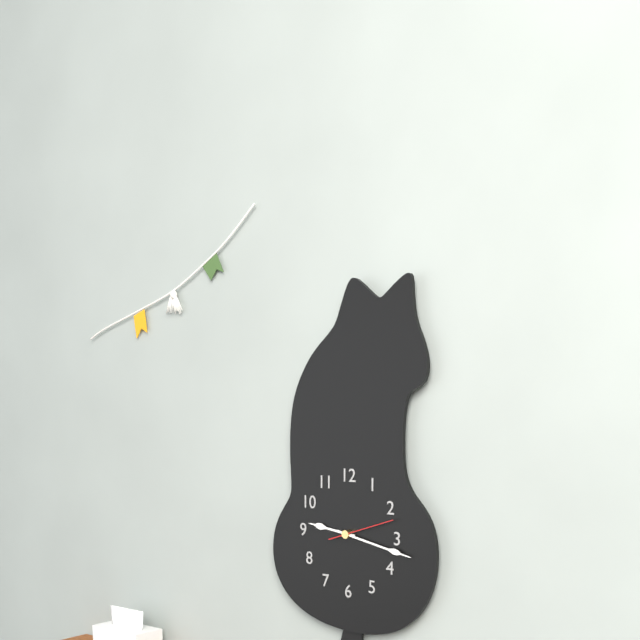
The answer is 9:17:12
